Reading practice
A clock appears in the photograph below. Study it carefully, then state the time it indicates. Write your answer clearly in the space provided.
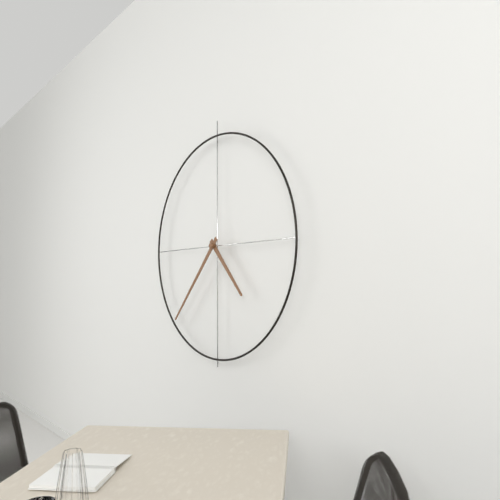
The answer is 4:37
